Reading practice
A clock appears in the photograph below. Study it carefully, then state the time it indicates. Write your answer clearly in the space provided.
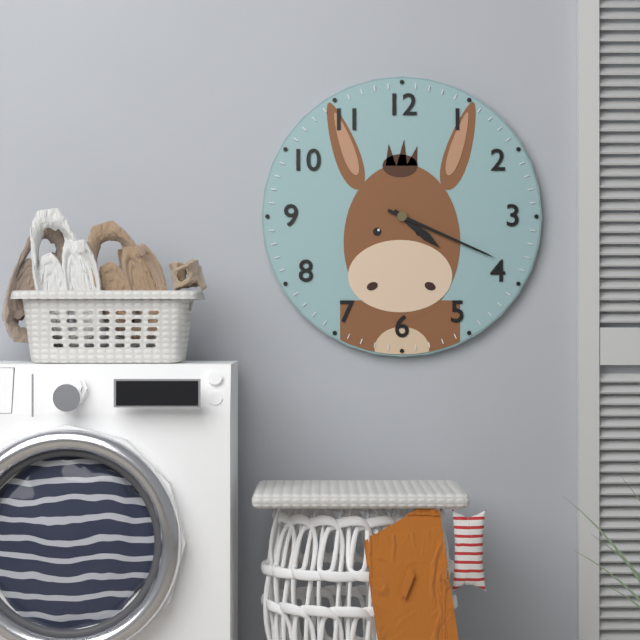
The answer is 4:19
